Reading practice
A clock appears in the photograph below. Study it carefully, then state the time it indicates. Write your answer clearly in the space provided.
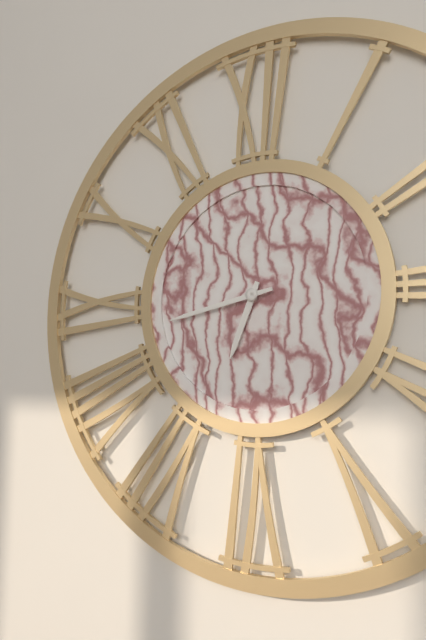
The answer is 6:43
